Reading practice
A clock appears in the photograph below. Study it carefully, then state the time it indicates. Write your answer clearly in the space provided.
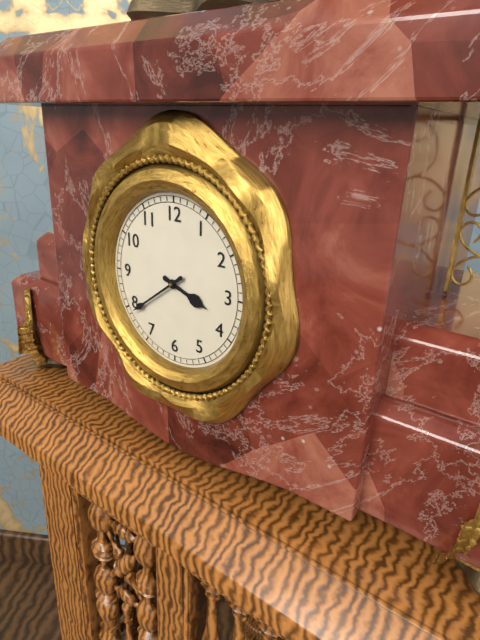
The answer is 3:39
